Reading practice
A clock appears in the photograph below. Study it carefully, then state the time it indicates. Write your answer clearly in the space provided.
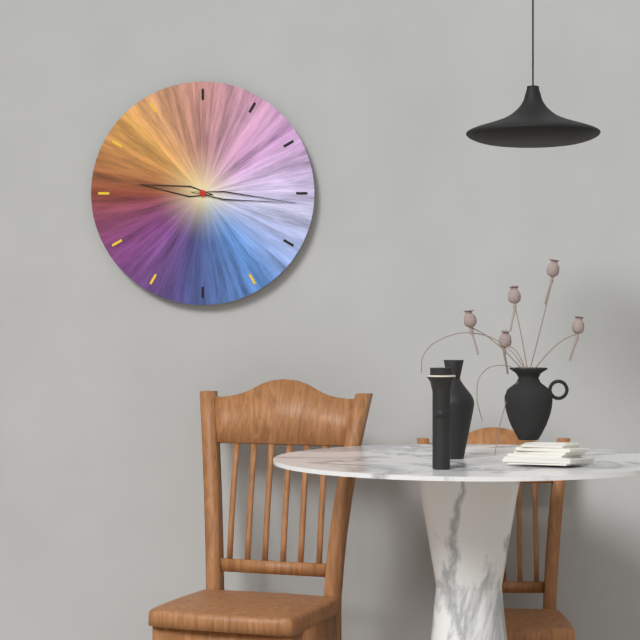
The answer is 9:16
